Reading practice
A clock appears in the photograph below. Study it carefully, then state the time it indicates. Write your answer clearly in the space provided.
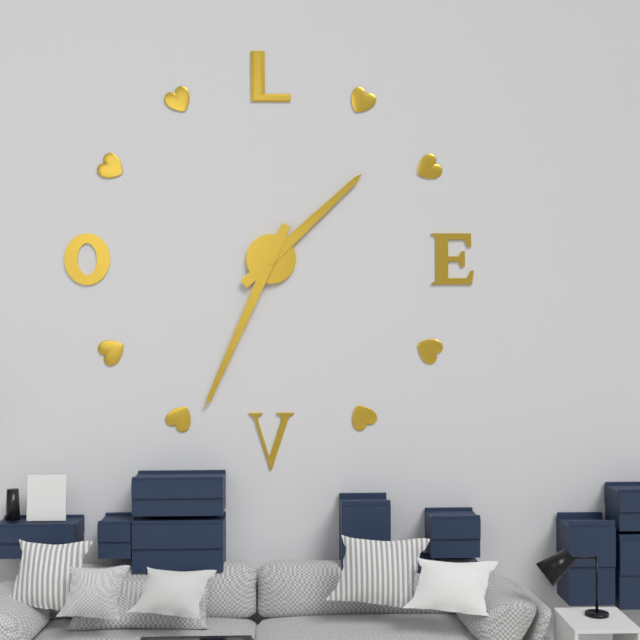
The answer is 1:34
